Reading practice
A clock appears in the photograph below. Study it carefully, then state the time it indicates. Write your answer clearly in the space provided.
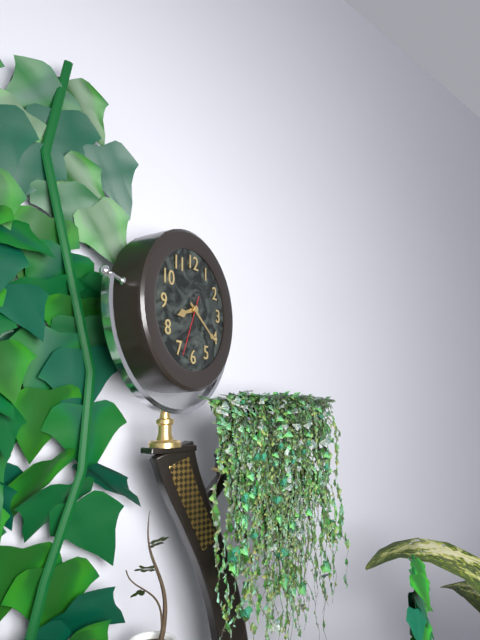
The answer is 8:21:34
